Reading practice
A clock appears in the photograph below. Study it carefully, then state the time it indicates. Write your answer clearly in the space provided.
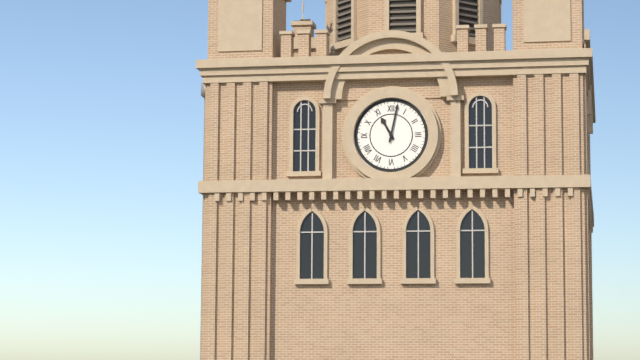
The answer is 11:02
